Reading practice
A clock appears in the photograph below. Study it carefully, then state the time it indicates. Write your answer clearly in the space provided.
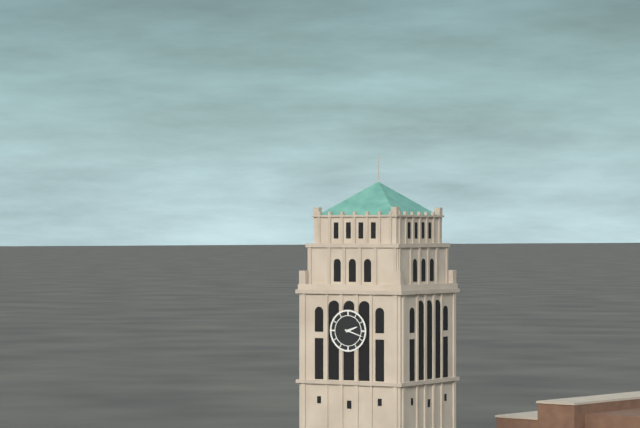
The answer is 2:18
